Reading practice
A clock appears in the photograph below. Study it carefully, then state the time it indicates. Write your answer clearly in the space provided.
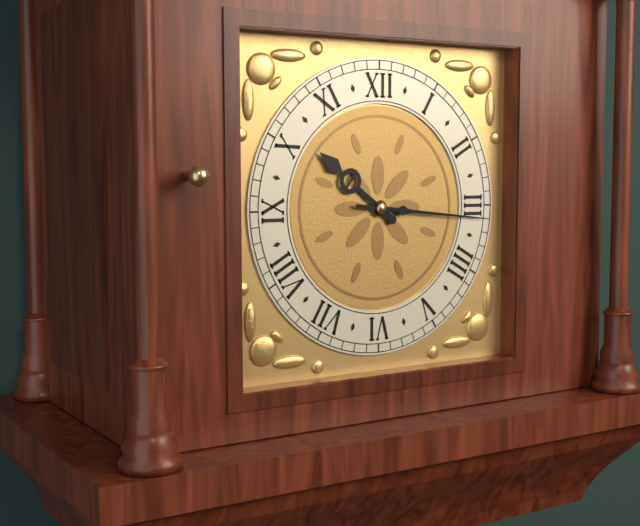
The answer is 10:16
